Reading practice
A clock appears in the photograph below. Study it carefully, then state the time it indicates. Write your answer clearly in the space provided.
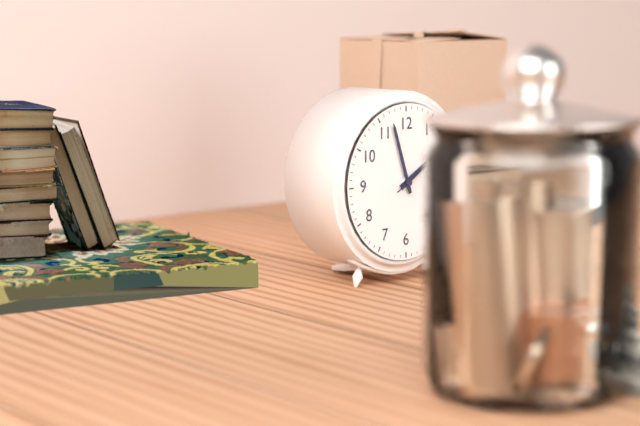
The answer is 1:57:10
